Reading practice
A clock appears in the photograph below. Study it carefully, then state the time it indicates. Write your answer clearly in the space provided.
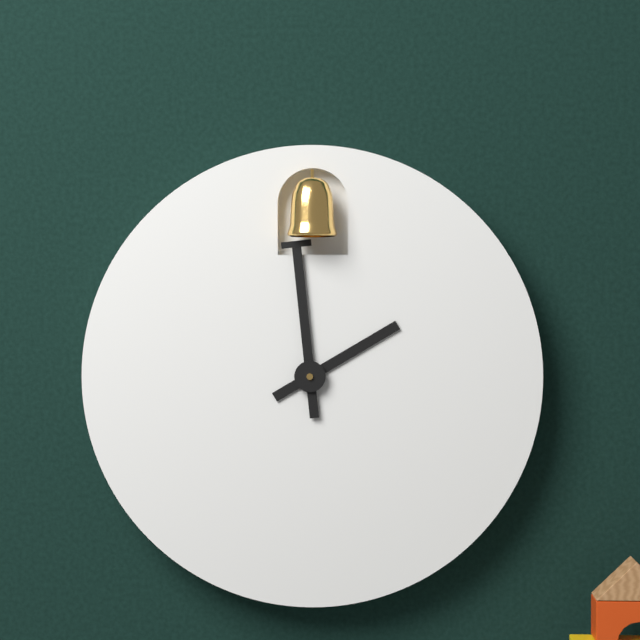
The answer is 1:59
